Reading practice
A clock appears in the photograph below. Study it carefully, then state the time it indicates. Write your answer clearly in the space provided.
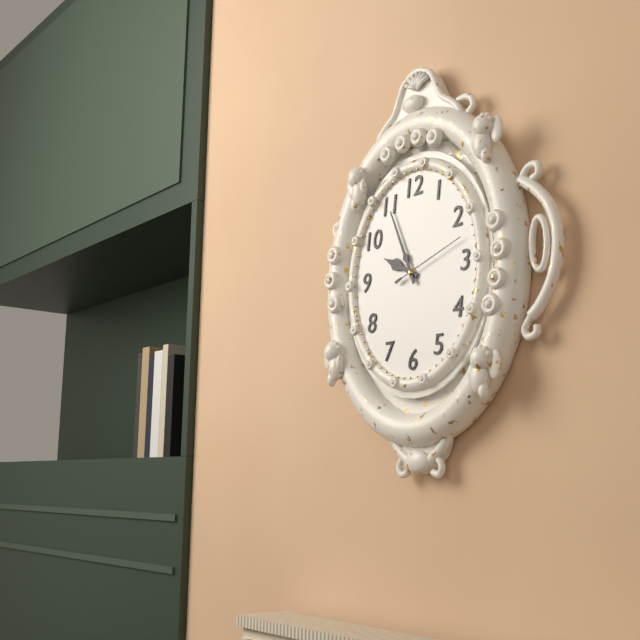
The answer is 9:56:12
